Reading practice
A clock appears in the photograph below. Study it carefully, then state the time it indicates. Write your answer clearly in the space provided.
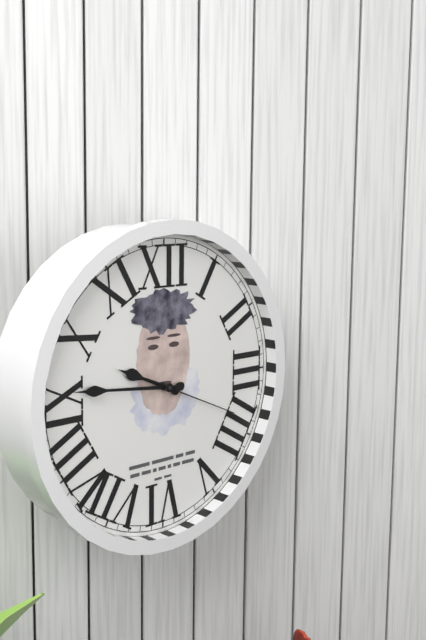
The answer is 9:46:19
